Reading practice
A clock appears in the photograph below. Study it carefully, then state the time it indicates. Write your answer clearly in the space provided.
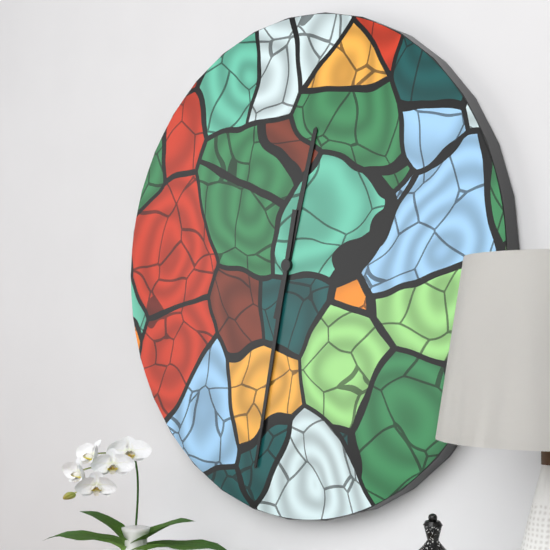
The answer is 12:32
